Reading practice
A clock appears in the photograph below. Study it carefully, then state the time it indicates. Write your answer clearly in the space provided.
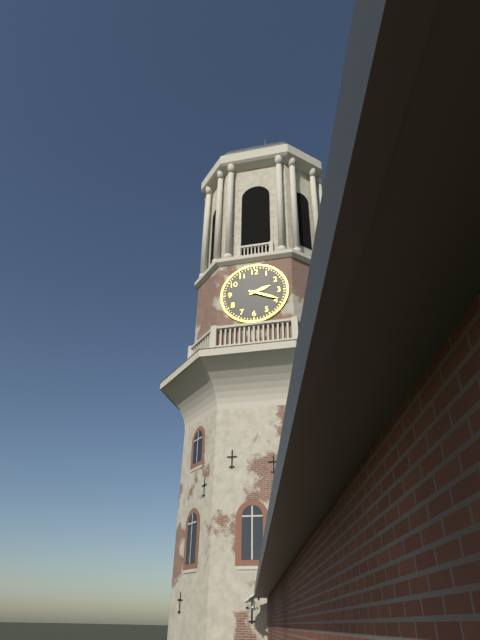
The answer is 2:19
